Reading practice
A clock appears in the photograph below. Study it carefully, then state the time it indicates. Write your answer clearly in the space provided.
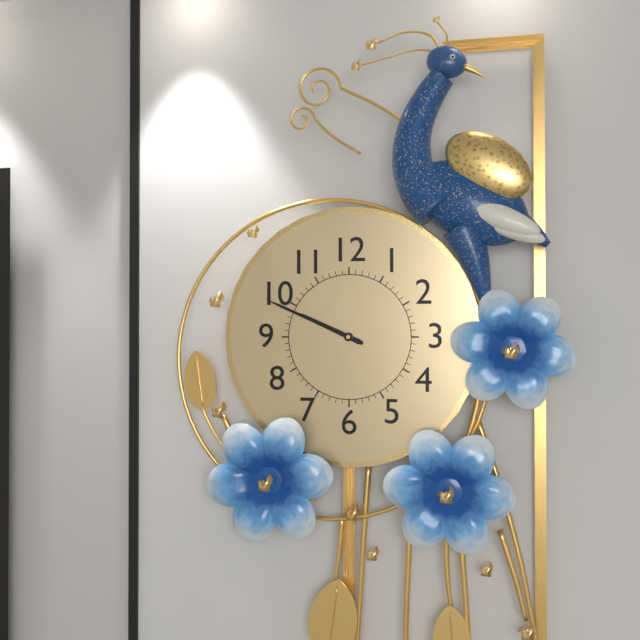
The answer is 9:49
